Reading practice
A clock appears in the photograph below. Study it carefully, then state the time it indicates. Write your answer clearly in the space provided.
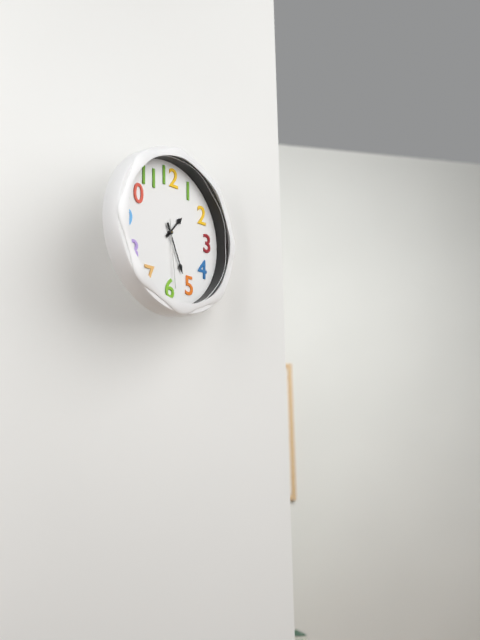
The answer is 1:26:29
